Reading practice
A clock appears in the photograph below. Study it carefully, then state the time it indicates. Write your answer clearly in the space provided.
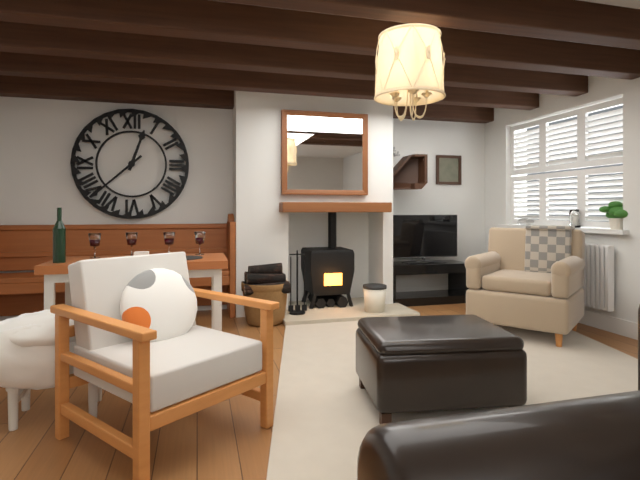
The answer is 12:38
